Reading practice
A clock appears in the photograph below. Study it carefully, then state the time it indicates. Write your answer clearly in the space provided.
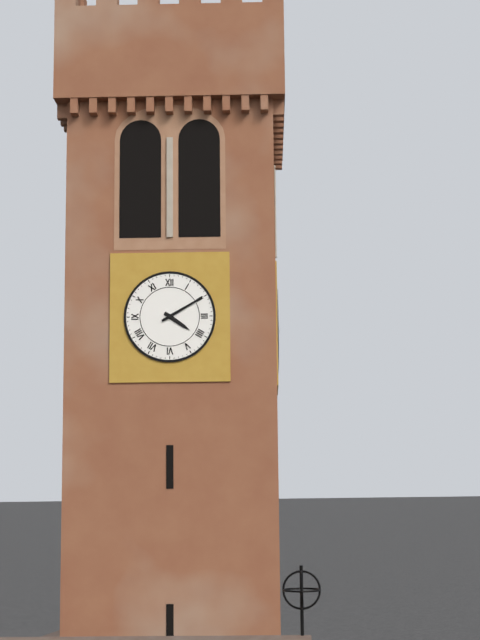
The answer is 4:10
